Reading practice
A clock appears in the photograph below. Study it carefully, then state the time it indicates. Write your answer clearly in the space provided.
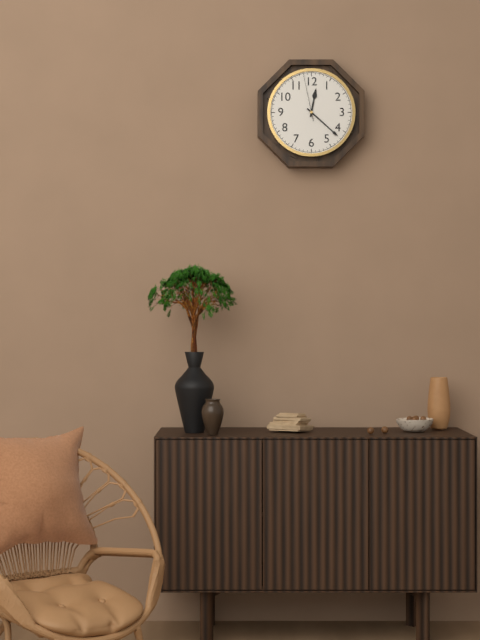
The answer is 12:22
